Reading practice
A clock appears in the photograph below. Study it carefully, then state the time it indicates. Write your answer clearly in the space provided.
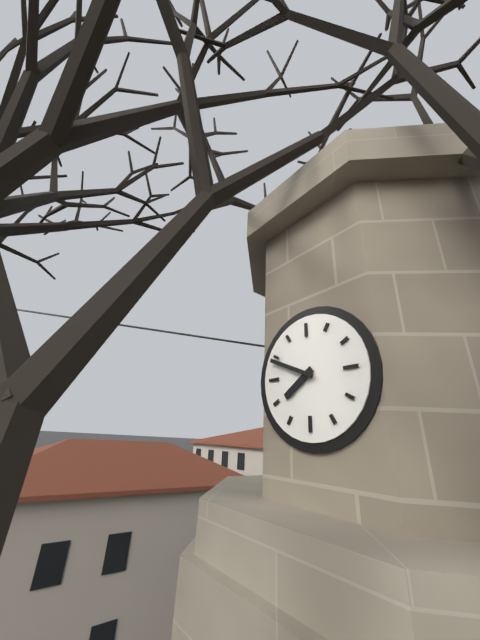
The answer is 7:49
